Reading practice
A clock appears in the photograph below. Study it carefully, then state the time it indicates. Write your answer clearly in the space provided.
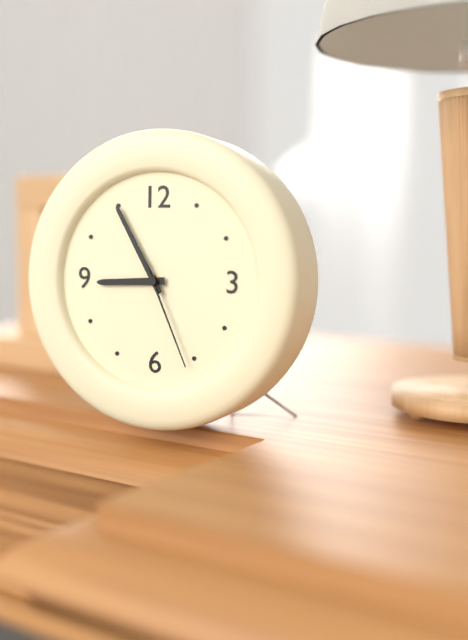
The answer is 8:55:26
